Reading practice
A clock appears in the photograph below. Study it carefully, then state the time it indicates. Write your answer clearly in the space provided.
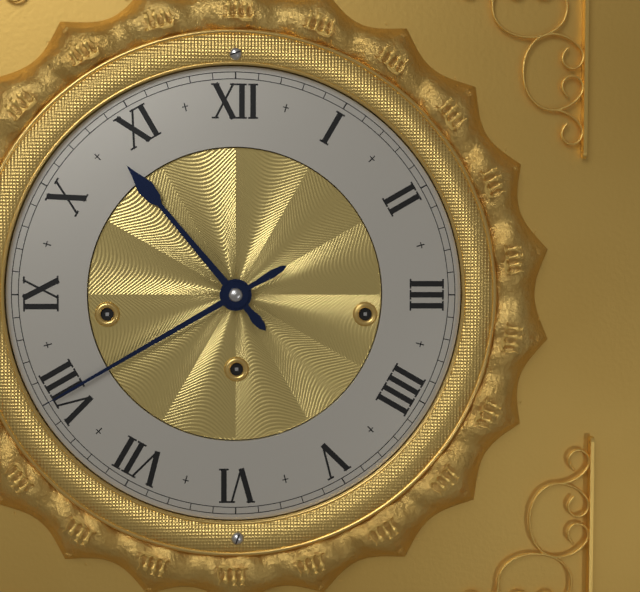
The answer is 10:40
